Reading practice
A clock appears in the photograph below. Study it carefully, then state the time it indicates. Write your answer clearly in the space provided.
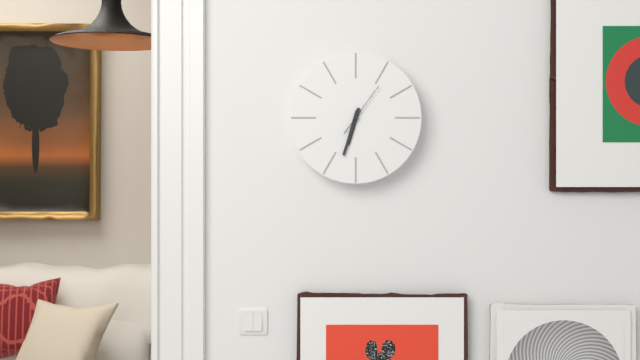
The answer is 6:33
